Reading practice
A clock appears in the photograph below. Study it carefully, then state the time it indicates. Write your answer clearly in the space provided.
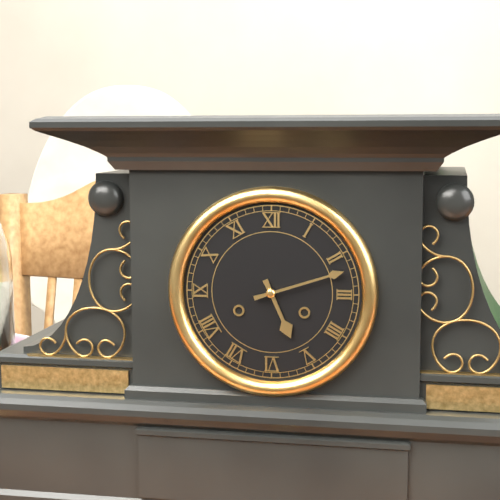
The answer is 5:12
